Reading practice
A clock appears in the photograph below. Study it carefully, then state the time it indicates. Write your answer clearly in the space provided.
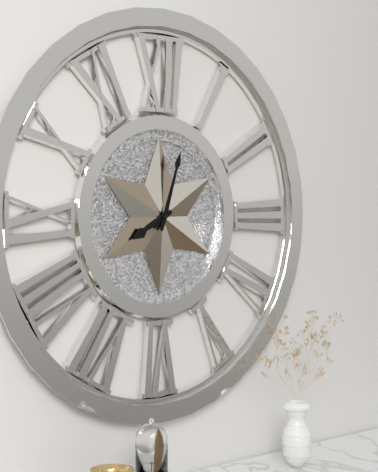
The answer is 8:03
